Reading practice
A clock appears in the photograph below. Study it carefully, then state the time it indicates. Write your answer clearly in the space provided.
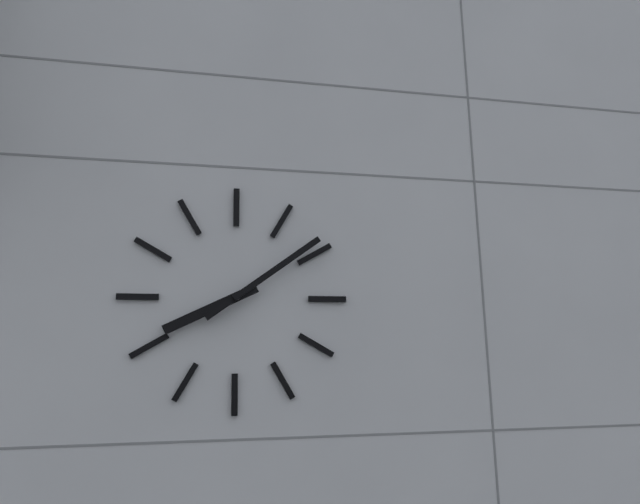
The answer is 8:09
